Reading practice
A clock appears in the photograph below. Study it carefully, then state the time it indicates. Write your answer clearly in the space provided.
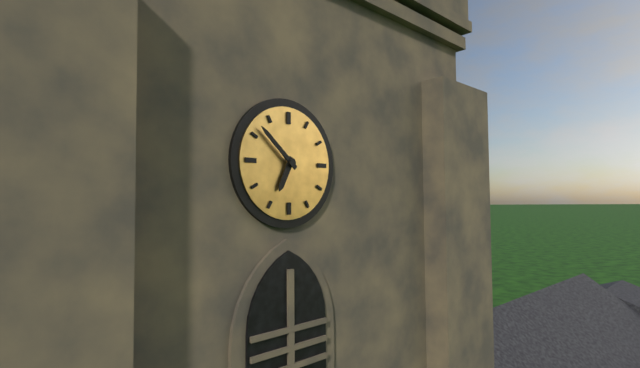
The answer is 6:52
